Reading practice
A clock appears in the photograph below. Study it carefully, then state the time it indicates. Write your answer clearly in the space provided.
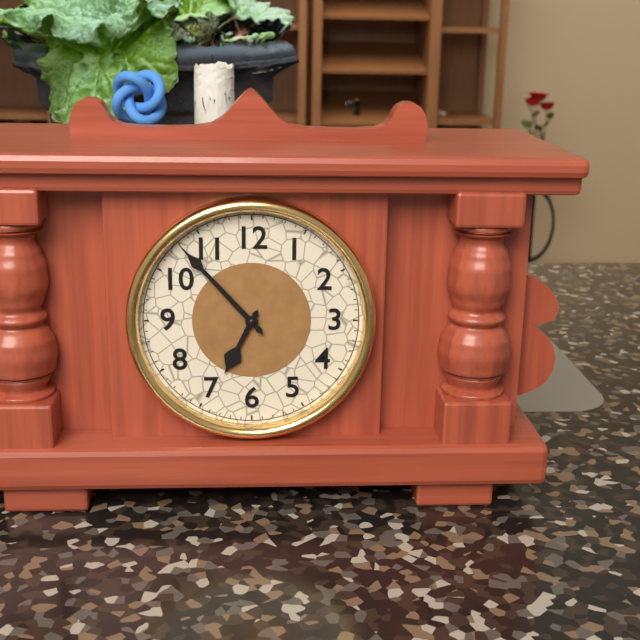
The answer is 6:53
